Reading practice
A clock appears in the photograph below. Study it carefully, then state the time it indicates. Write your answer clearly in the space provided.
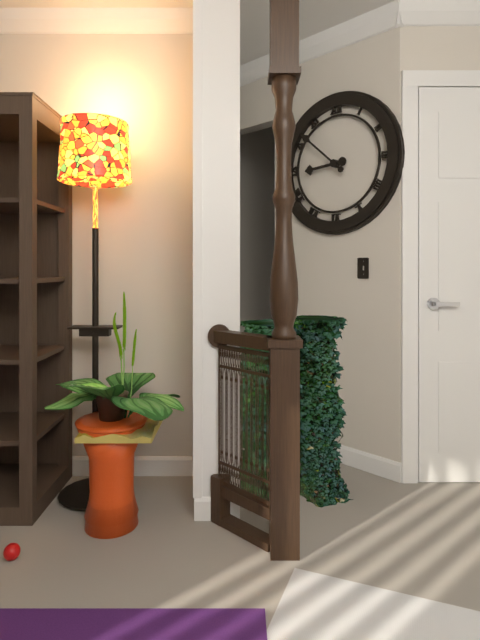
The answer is 8:52
